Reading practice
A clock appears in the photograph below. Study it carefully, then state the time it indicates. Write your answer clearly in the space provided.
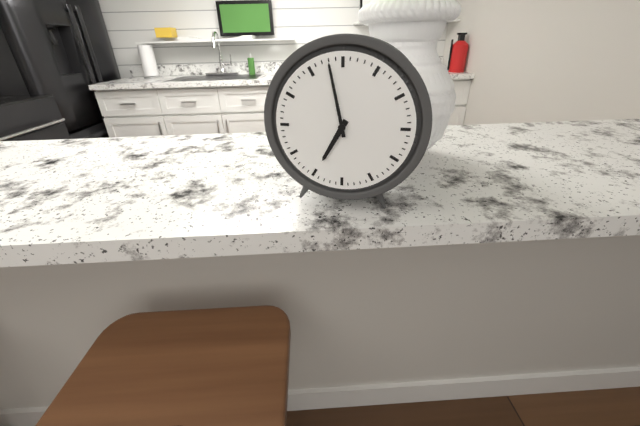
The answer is 6:58
